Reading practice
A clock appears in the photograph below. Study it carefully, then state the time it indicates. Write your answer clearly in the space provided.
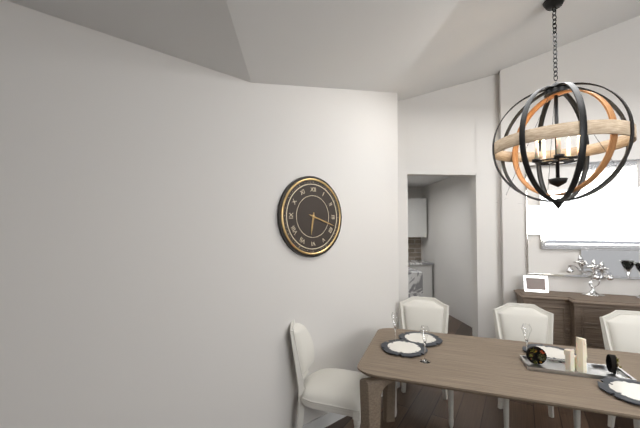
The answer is 6:18
